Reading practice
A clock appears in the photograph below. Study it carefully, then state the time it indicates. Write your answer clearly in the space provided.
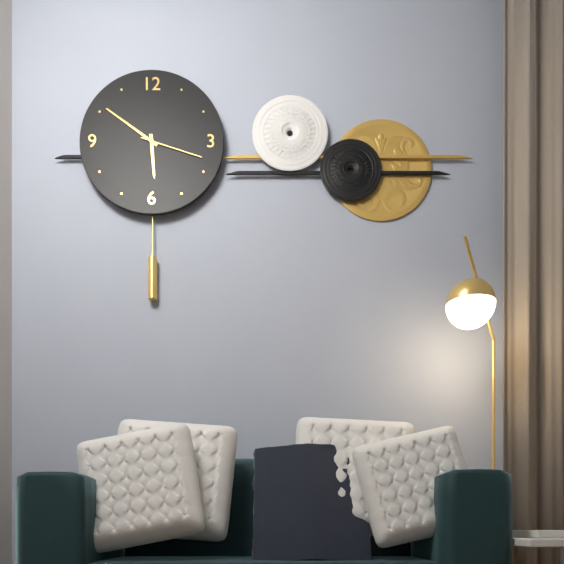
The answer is 5:51:18
